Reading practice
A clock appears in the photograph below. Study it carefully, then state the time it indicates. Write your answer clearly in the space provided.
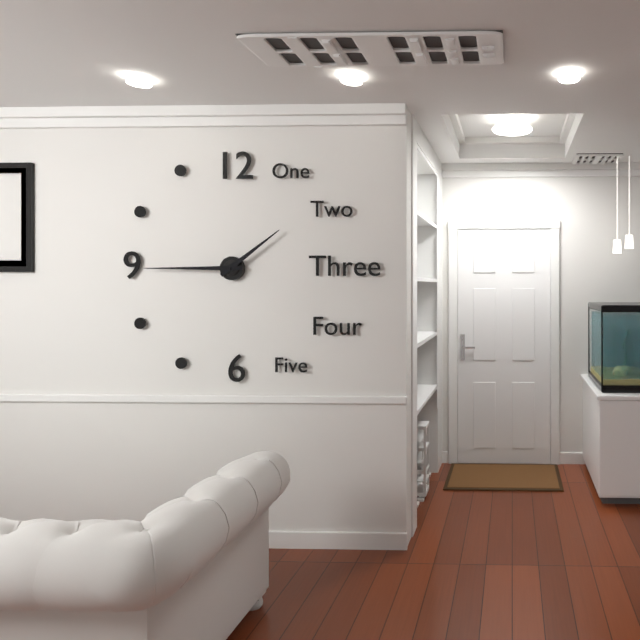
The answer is 1:45
